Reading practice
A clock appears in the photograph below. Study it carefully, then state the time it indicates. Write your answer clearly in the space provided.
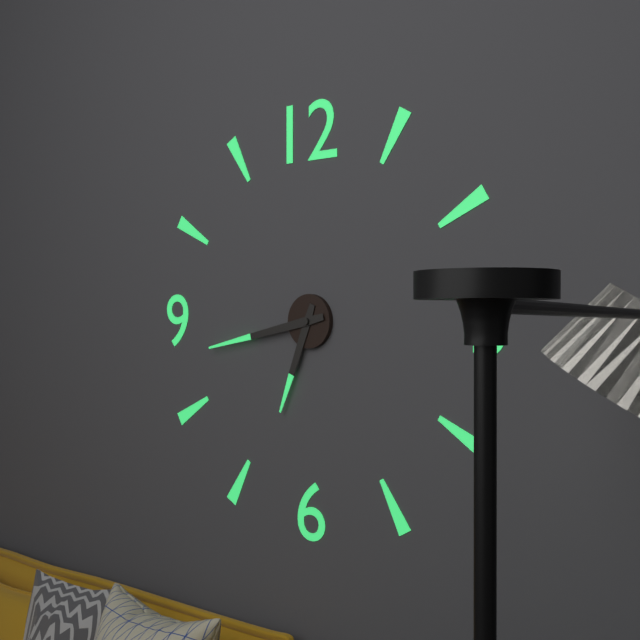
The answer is 6:43
